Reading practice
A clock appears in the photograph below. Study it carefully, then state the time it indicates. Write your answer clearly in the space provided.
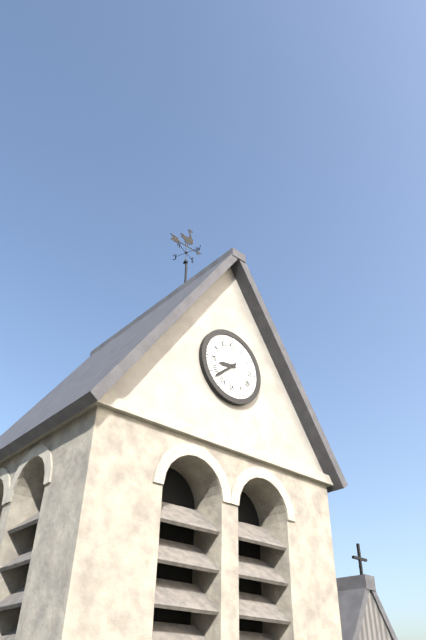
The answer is 8:38
